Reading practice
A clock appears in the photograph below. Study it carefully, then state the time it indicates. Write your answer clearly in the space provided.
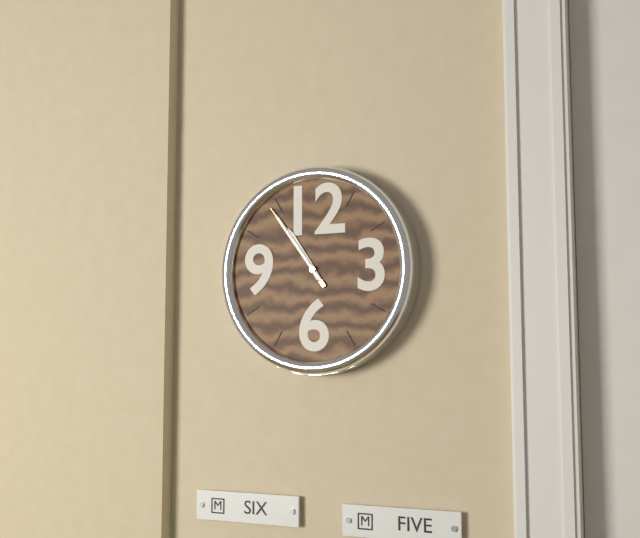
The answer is 10:54:54
